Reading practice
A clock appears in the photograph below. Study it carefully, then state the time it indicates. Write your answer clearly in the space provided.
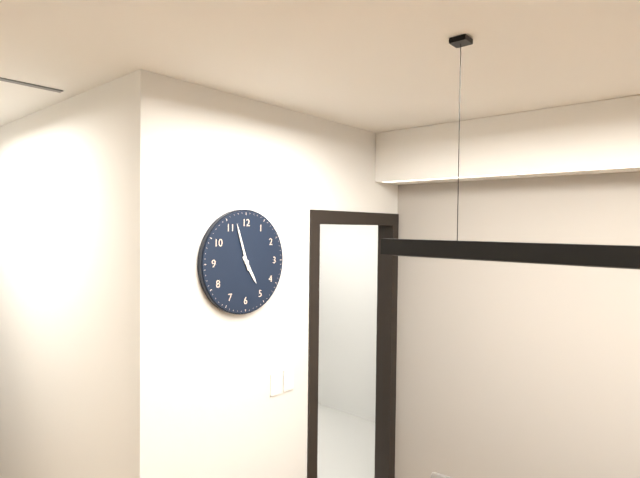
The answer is 4:57
